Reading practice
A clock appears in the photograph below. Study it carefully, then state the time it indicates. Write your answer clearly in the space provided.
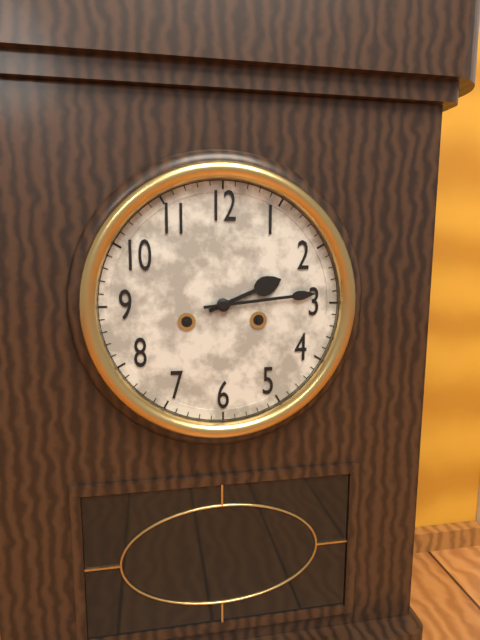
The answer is 2:14
